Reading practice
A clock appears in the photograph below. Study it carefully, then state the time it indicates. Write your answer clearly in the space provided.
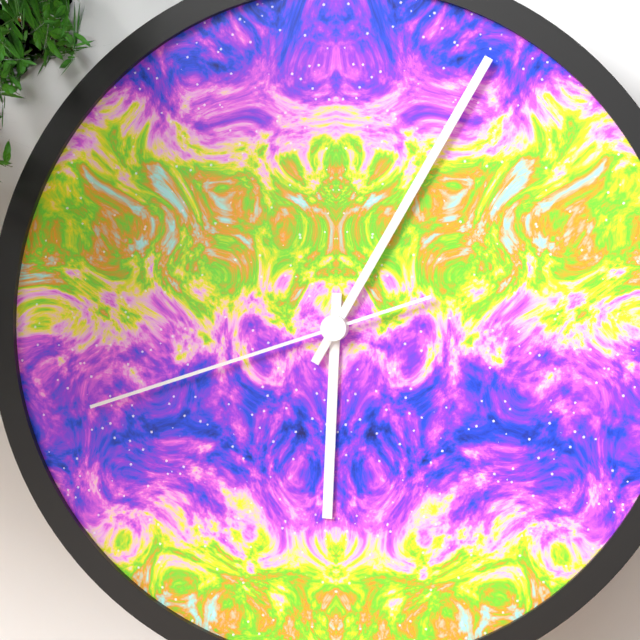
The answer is 6:05:42
